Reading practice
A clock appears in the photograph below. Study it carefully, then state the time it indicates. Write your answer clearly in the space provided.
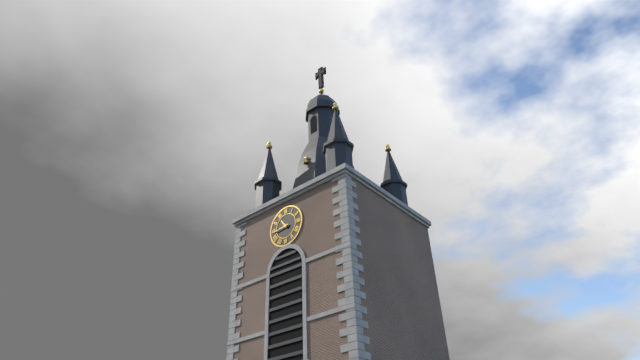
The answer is 10:44
